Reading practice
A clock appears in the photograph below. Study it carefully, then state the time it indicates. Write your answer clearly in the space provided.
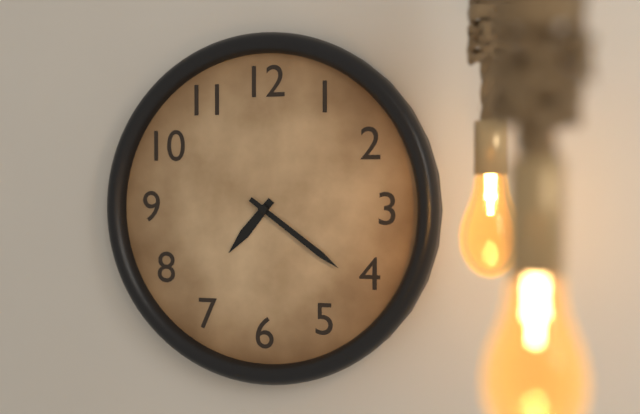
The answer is 7:21
